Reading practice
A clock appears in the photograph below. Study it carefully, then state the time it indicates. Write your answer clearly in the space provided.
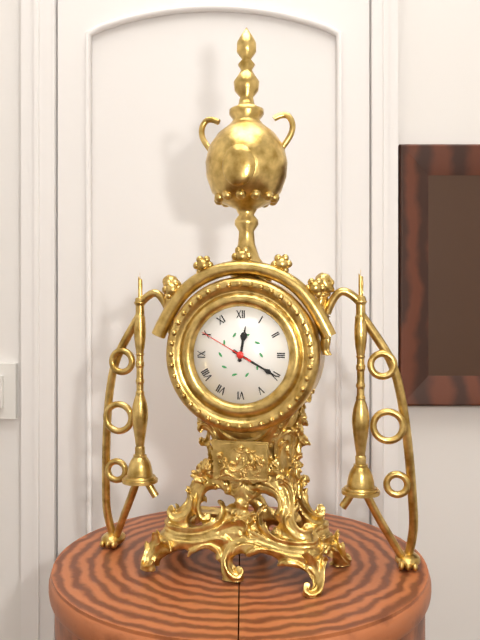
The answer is 12:20:50
